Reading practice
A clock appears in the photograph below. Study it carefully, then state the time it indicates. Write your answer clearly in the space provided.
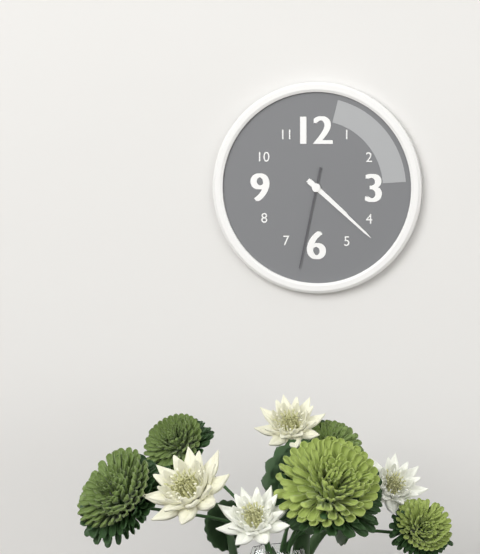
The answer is 4:22:32
